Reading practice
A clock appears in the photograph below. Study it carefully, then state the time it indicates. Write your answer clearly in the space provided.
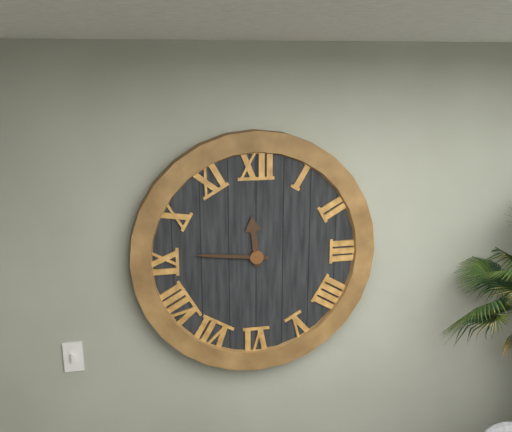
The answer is 11:46
